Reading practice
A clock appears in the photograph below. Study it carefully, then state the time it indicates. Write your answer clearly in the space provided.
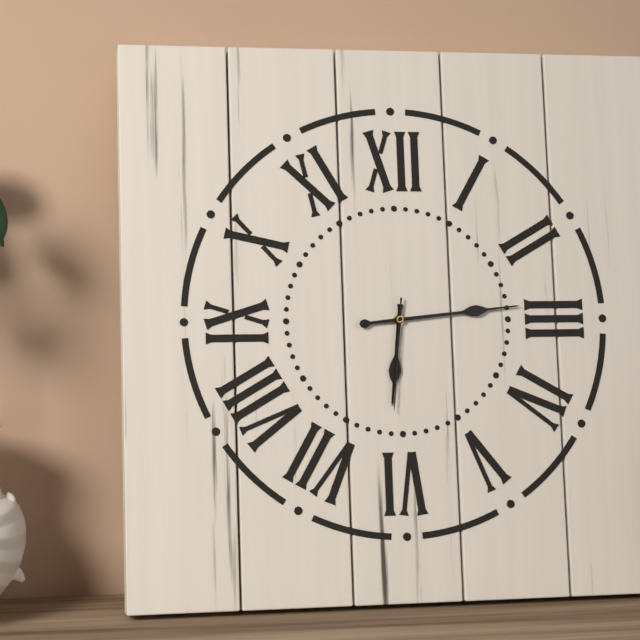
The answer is 6:14:31
